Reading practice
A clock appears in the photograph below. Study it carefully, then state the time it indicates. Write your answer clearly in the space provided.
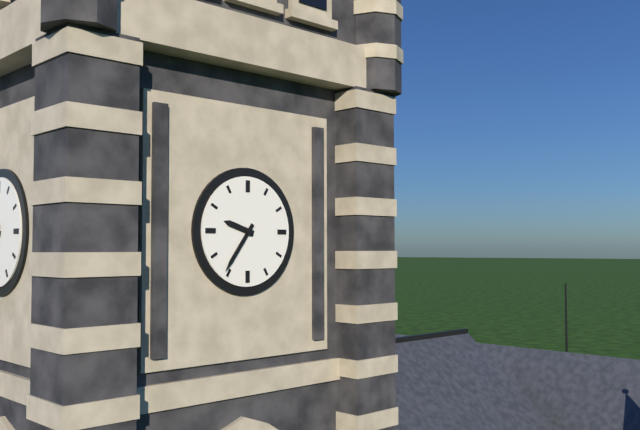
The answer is 9:36
